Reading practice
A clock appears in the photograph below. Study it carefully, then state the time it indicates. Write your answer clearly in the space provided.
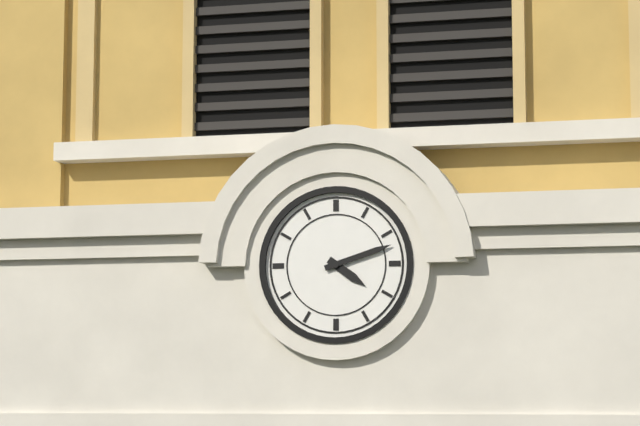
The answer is 4:12
